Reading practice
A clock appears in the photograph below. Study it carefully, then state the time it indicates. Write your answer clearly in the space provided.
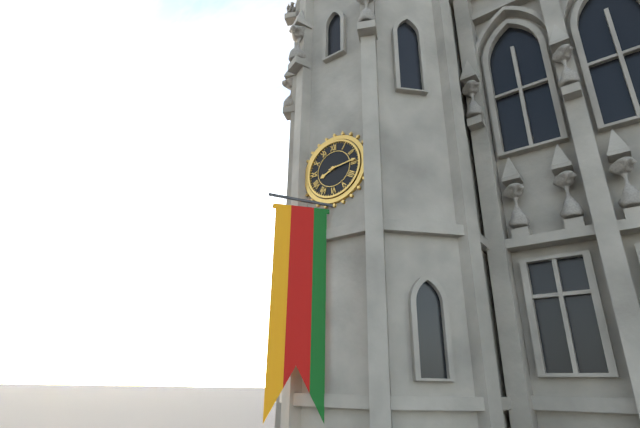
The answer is 8:14
